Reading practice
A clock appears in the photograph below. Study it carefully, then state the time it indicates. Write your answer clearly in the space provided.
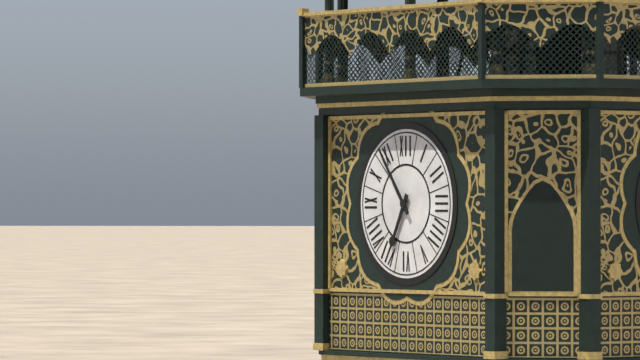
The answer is 6:54
